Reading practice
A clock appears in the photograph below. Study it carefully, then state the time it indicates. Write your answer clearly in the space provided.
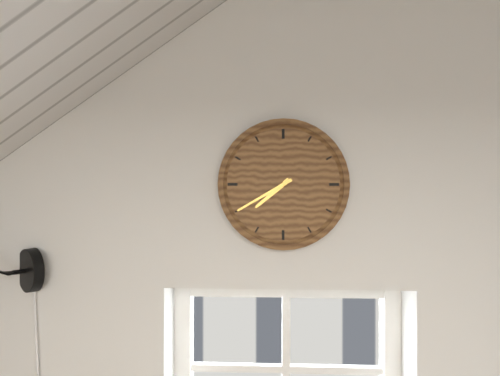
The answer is 7:40
